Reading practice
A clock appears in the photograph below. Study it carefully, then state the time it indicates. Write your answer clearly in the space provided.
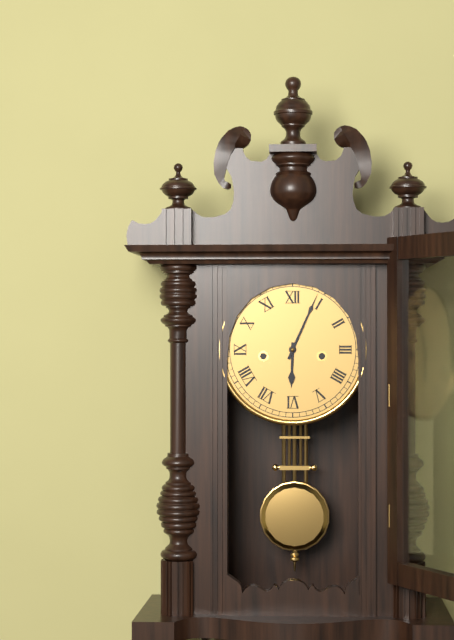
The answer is 6:04
